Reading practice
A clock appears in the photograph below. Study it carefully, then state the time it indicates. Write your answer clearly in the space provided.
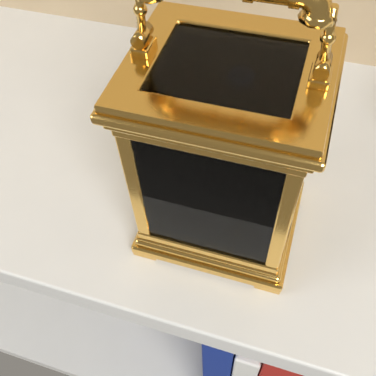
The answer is 8:19
